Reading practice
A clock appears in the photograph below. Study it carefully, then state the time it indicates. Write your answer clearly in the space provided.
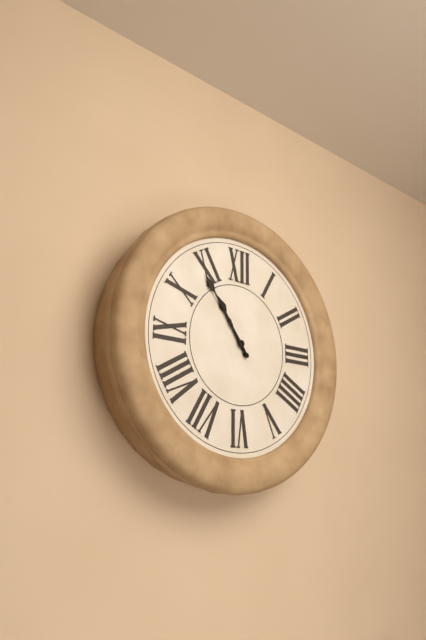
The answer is 10:54
